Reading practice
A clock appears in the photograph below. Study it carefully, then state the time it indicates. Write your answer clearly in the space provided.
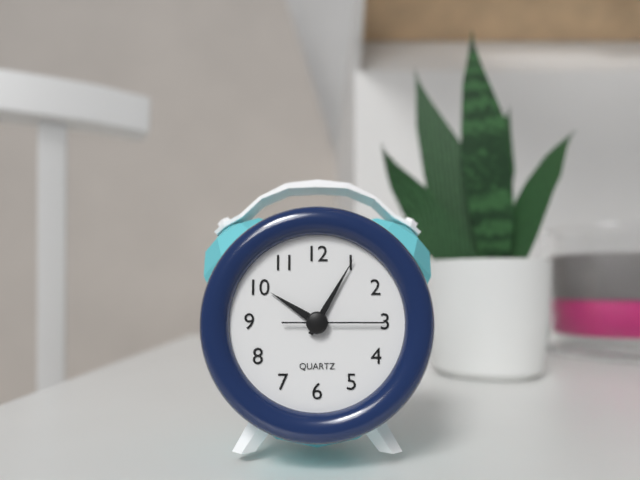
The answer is 10:05:15
